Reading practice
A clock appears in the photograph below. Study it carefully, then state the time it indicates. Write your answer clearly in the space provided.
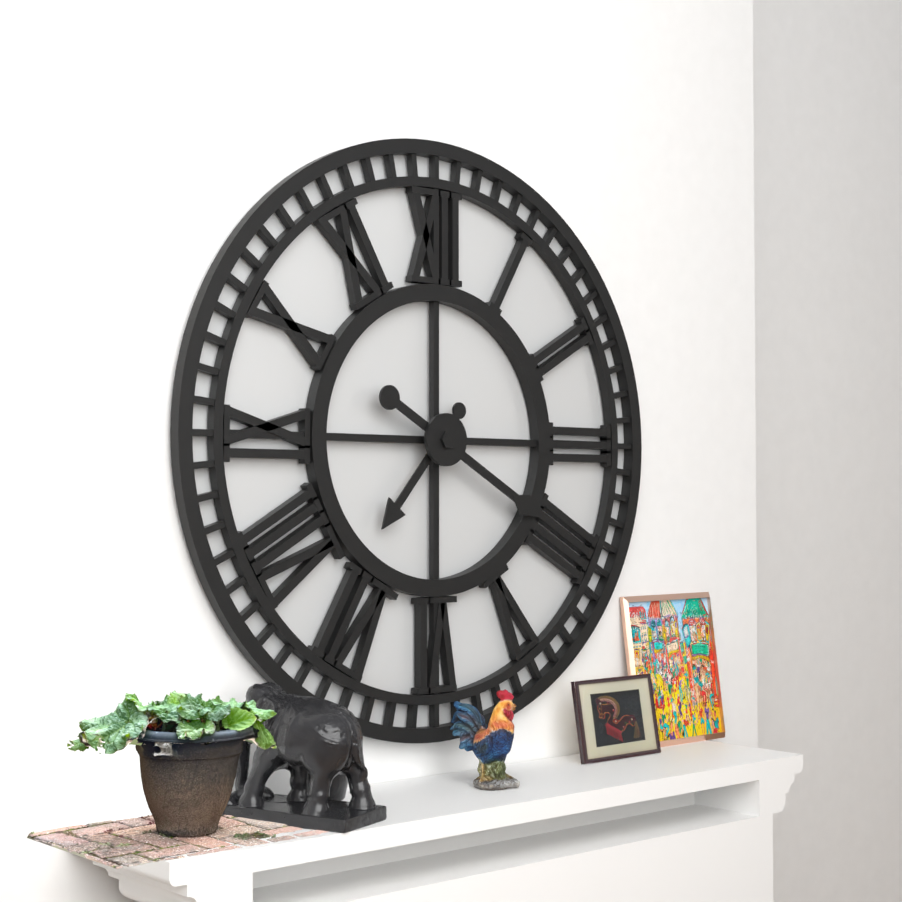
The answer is 7:20
